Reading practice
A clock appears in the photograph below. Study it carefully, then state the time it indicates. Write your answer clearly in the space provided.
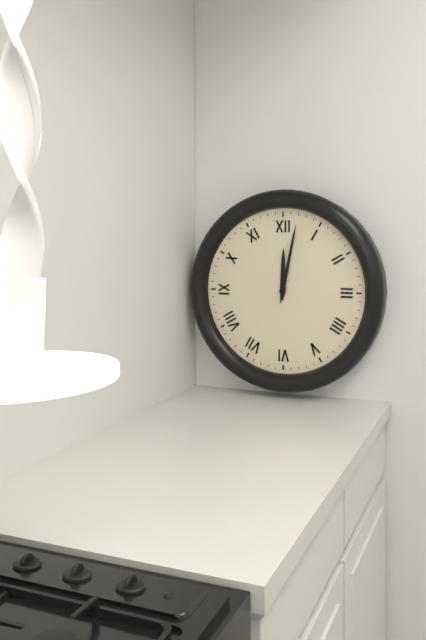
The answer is 12:02
